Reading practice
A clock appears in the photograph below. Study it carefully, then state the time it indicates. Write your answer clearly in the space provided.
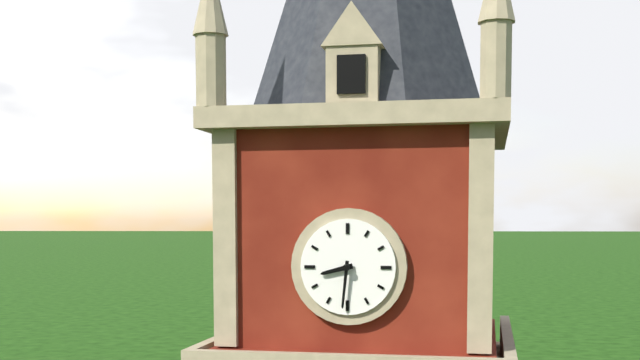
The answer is 8:31
